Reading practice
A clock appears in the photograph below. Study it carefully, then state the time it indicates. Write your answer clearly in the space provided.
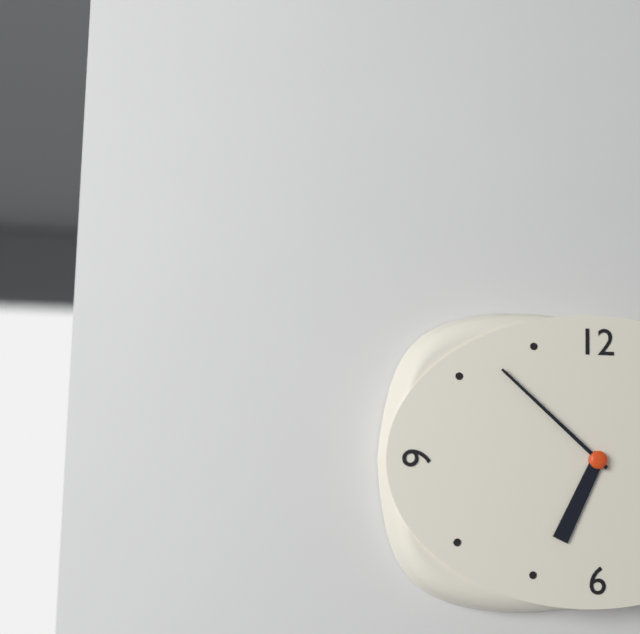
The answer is 6:52
